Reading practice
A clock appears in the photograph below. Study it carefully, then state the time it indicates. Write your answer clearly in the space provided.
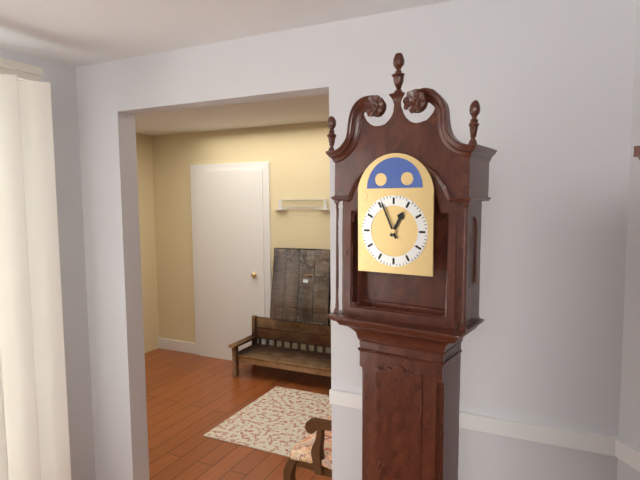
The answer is 12:56
